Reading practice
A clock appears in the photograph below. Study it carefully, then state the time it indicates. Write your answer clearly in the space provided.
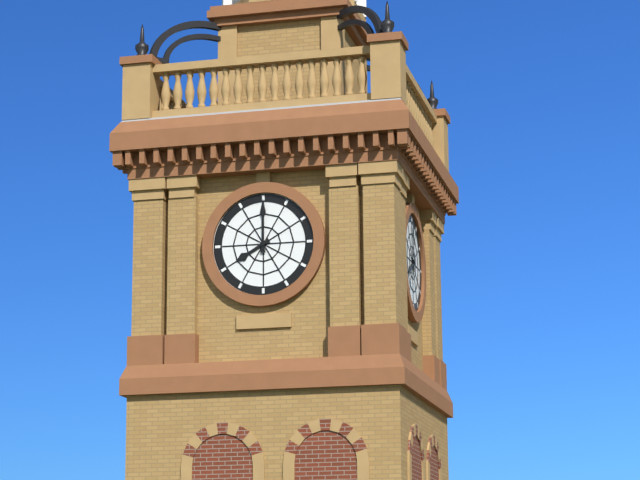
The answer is 8:00
